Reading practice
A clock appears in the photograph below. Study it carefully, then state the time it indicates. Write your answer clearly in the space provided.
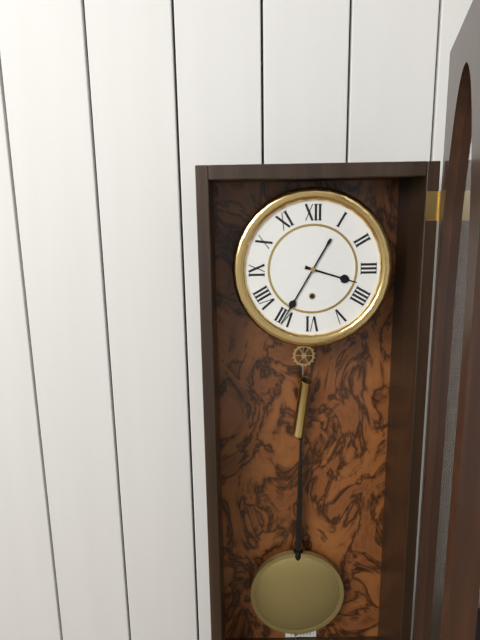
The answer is 3:35
